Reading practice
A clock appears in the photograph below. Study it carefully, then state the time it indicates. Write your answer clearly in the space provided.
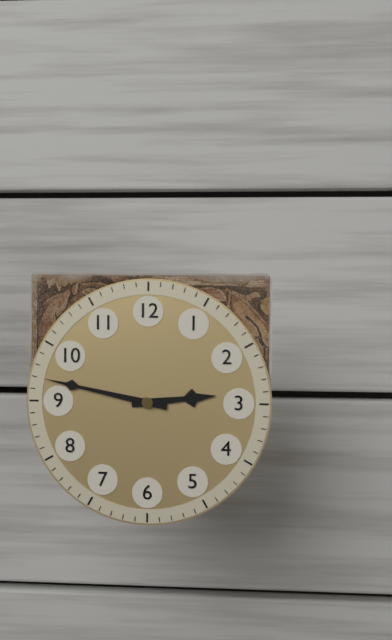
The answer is 2:47
